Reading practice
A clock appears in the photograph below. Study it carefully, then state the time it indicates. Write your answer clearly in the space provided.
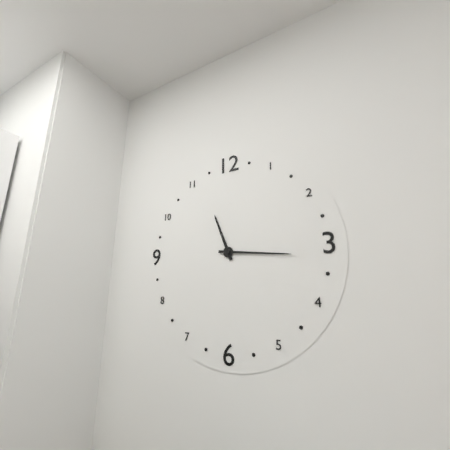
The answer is 11:16
